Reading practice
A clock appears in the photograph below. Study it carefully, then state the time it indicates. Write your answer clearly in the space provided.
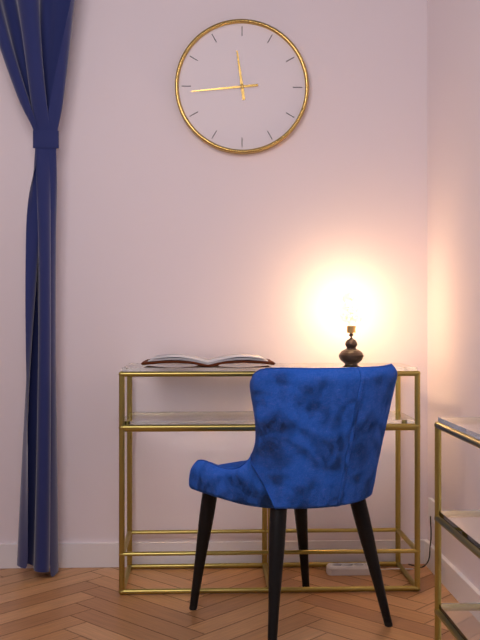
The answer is 11:44
